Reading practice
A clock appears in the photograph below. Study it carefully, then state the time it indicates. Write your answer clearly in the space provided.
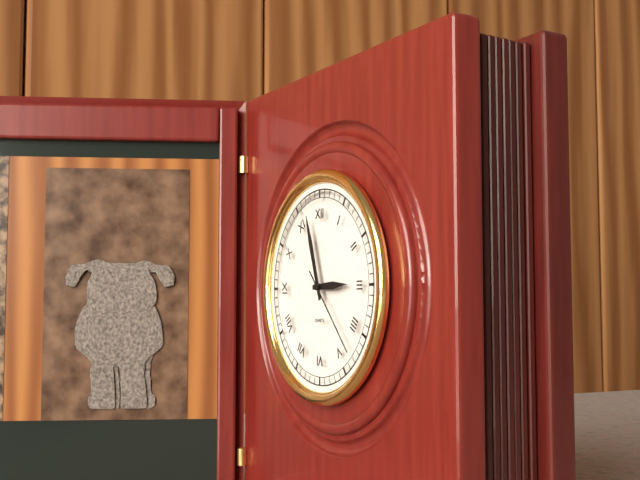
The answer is 2:57:23
